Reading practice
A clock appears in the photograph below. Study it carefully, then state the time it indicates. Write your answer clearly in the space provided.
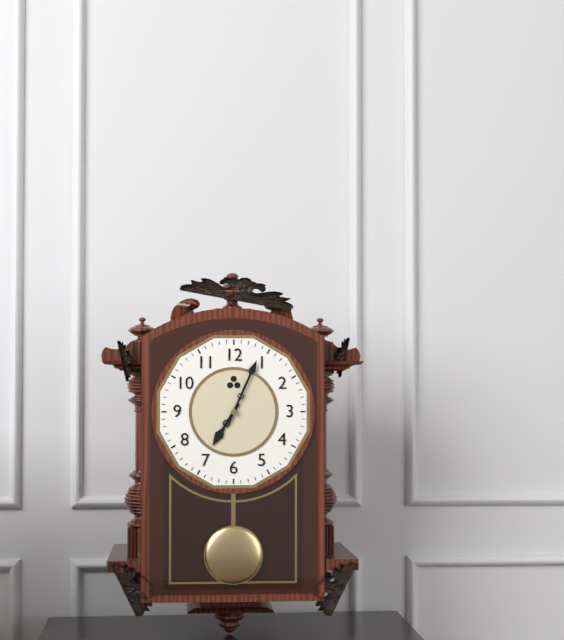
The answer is 7:04
